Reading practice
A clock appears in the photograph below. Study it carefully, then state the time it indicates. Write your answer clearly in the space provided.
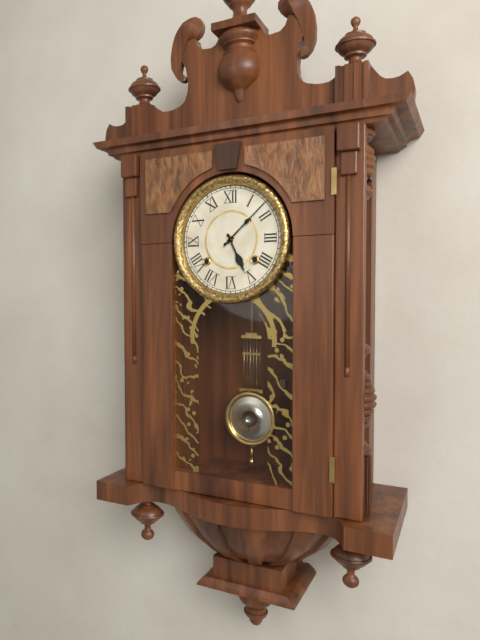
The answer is 5:08
